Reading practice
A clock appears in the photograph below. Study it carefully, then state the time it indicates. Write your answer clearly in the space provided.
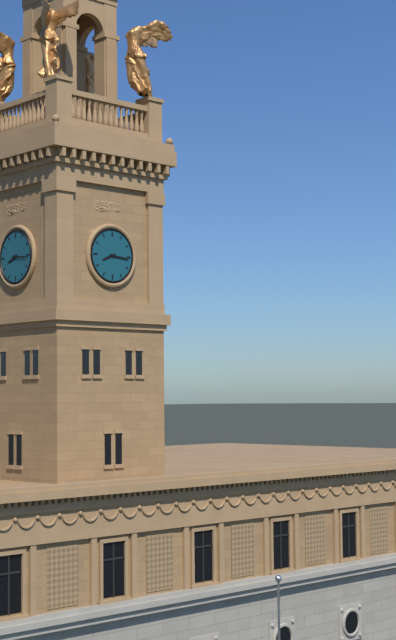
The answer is 8:16
